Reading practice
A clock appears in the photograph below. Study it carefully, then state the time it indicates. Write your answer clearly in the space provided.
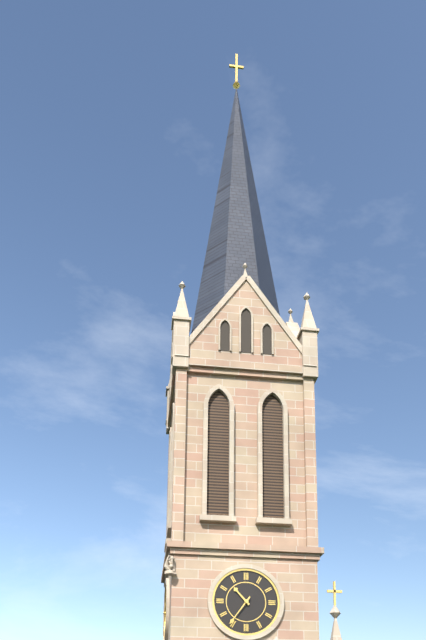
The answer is 10:36
